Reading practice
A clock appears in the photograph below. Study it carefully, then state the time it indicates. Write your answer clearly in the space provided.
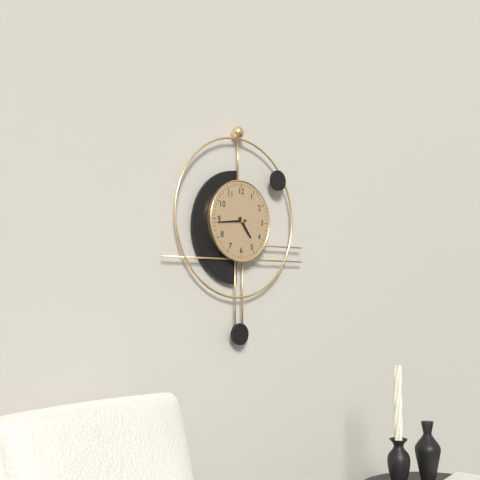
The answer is 4:44
